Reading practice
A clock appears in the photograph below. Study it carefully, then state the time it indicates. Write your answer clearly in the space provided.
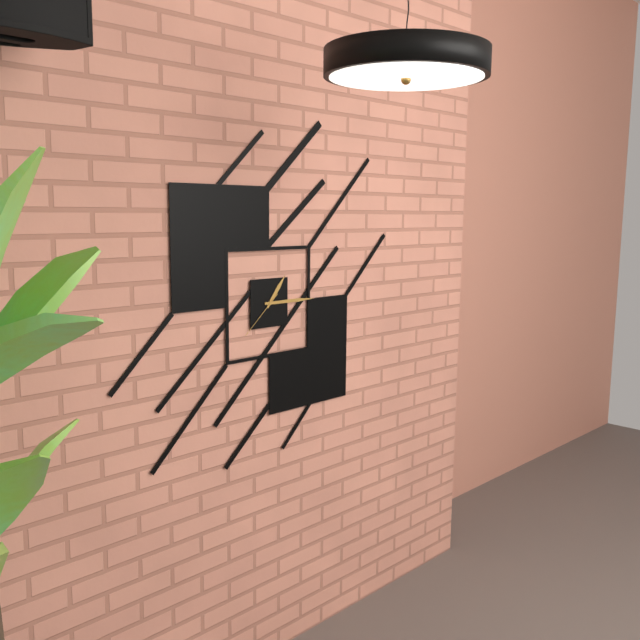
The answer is 1:15:38
